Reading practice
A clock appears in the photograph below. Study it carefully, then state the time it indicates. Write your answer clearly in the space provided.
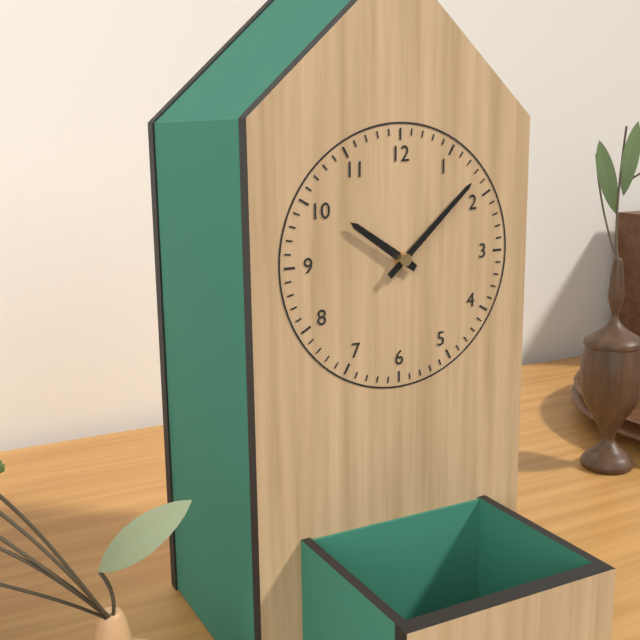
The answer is 10:08
